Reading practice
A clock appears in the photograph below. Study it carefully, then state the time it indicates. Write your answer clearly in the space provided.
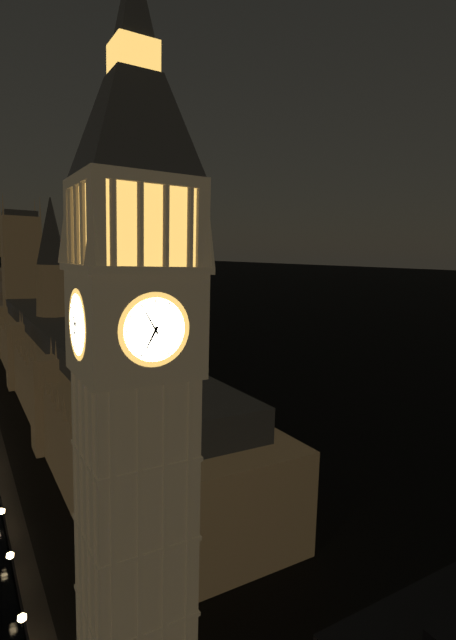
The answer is 6:55
